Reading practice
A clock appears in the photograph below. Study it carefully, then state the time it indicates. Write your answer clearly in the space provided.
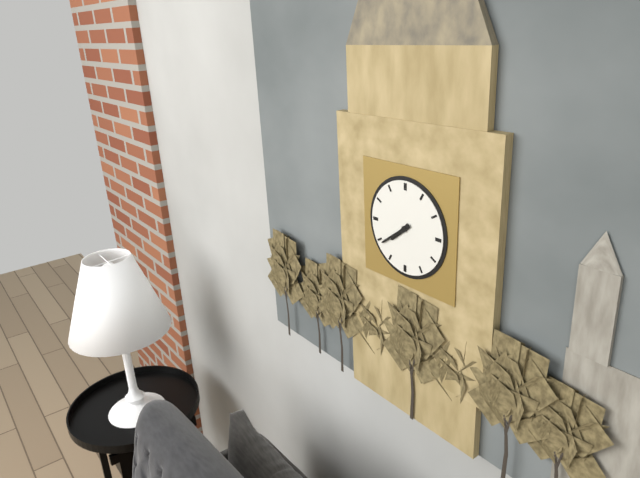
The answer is 7:39
